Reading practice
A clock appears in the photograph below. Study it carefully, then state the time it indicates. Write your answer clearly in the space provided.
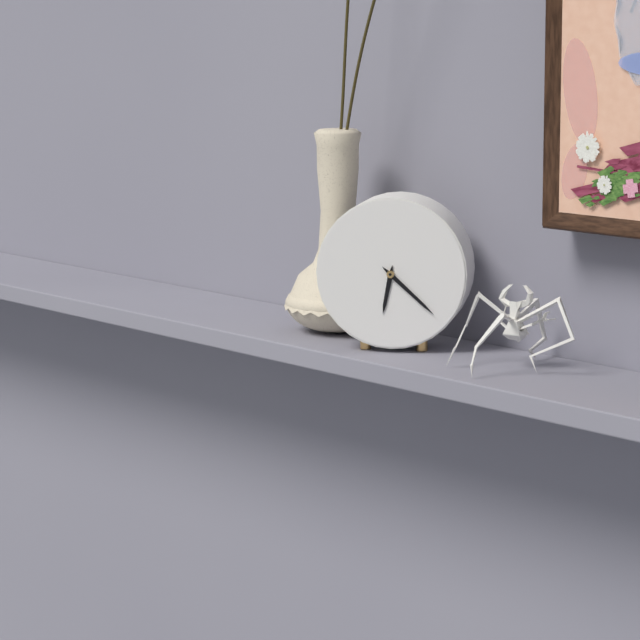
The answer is 6:22
